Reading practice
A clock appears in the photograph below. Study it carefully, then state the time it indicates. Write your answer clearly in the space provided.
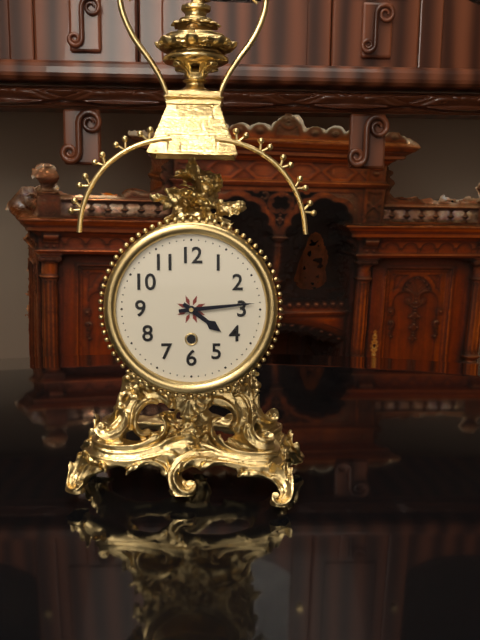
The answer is 4:14
